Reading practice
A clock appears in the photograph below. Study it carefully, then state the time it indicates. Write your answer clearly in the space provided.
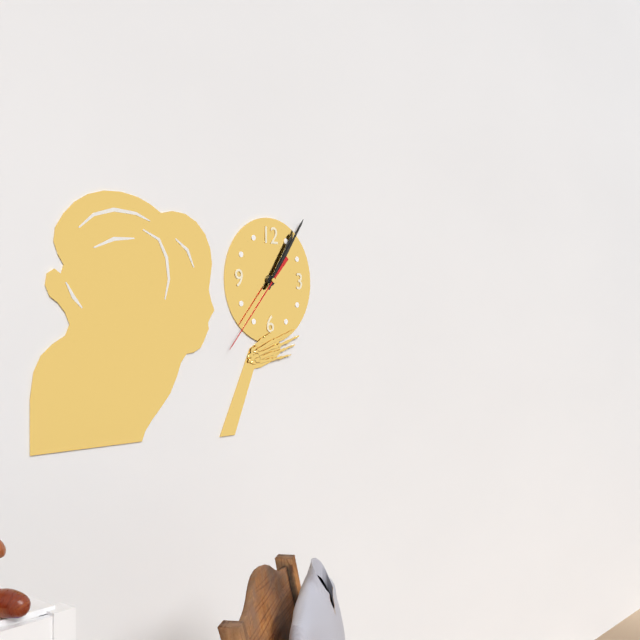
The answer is 1:06:37
